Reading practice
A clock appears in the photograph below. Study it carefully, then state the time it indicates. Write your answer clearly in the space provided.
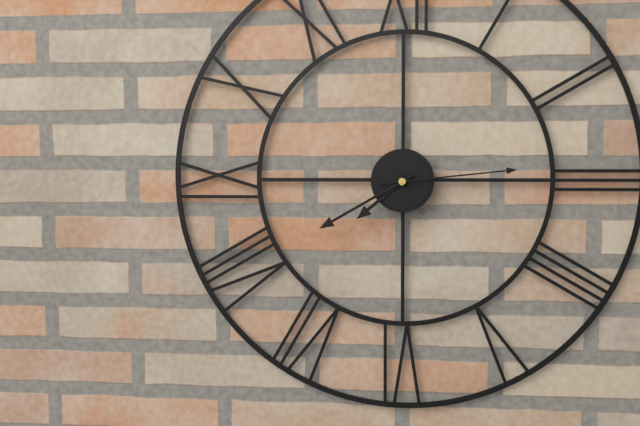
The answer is 7:40:14
